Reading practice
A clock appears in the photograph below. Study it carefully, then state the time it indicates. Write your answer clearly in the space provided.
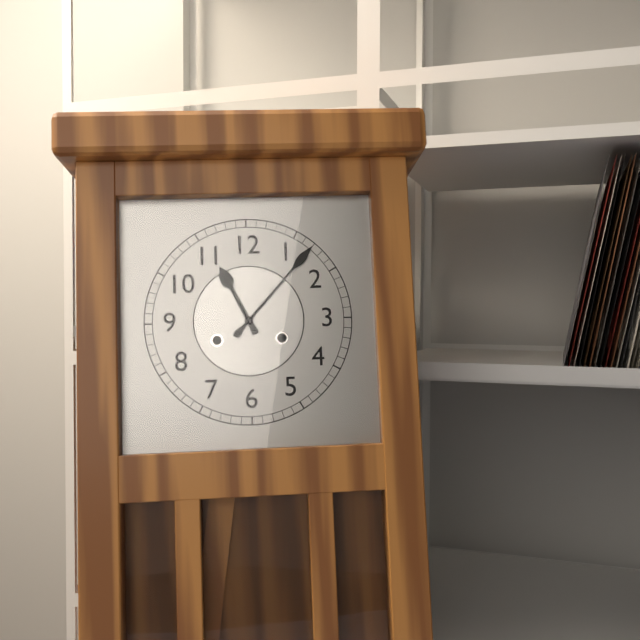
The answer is 11:07
